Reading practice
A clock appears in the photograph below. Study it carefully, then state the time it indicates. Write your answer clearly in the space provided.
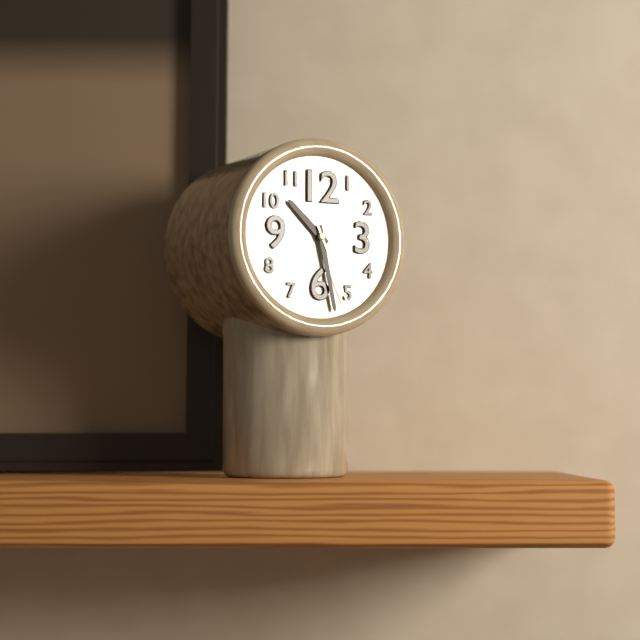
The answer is 10:28:26
